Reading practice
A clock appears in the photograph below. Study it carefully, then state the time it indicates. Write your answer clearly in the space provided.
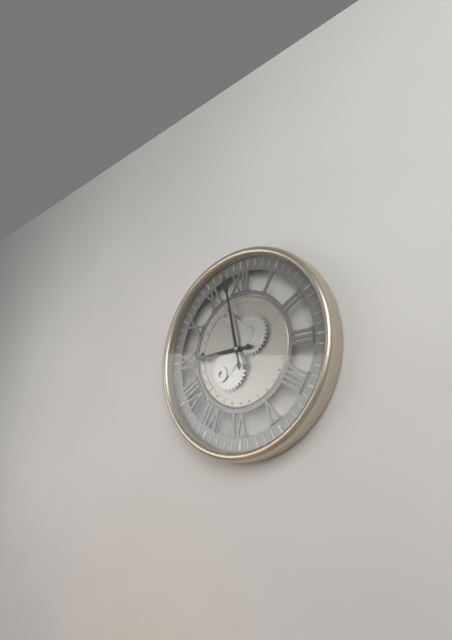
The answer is 8:58
